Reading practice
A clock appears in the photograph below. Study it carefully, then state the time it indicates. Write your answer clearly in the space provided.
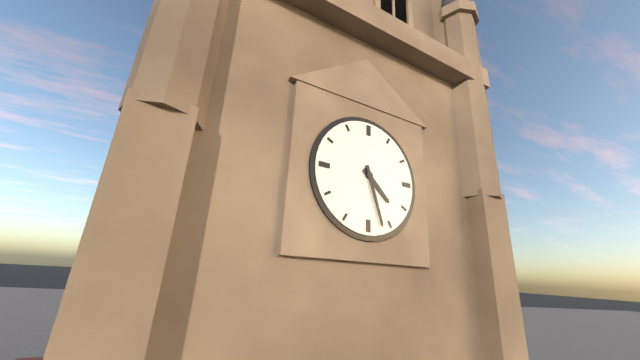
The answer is 4:27
